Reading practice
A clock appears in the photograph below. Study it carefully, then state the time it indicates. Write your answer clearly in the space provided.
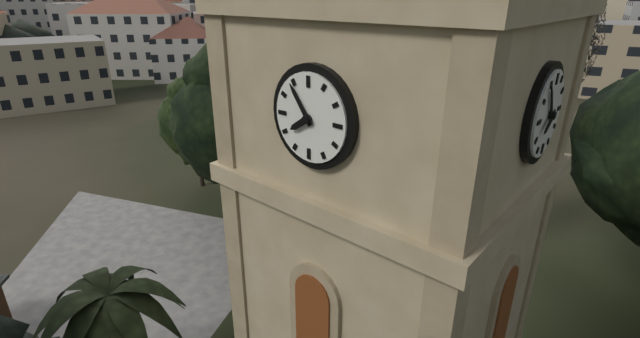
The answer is 7:54
